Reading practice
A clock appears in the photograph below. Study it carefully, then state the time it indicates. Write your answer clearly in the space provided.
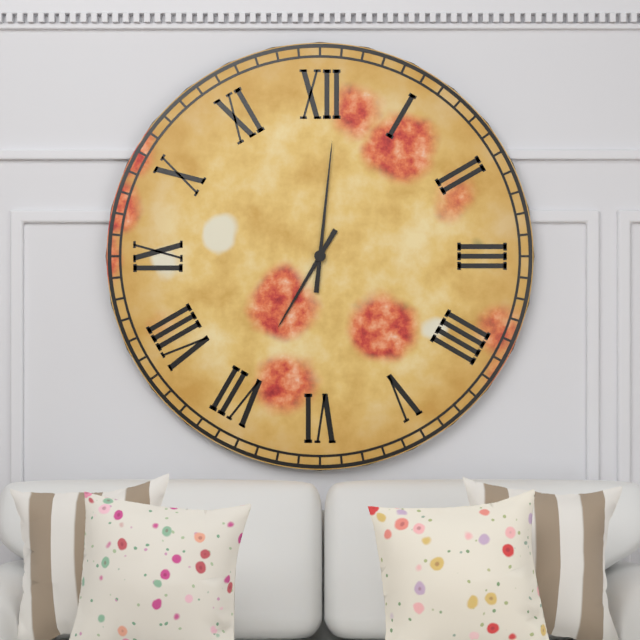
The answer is 7:01
